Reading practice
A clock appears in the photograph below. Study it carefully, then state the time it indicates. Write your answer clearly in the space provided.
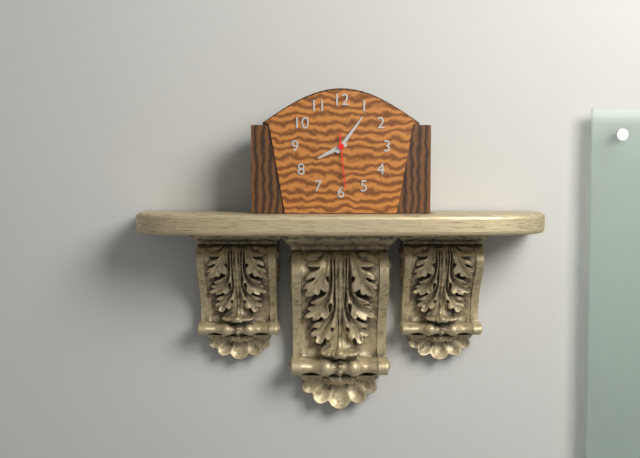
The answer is 8:06:29
